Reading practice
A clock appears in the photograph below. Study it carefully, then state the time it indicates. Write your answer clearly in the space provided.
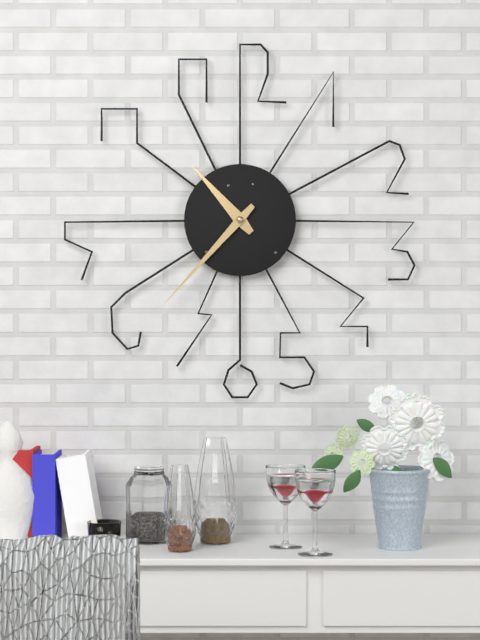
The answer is 10:37
